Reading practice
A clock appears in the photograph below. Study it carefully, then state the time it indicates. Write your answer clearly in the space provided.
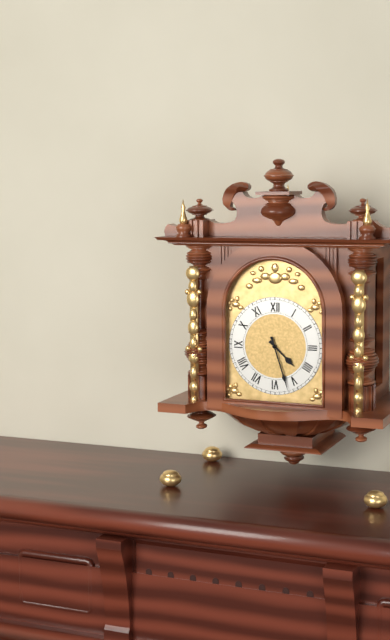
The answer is 4:27
